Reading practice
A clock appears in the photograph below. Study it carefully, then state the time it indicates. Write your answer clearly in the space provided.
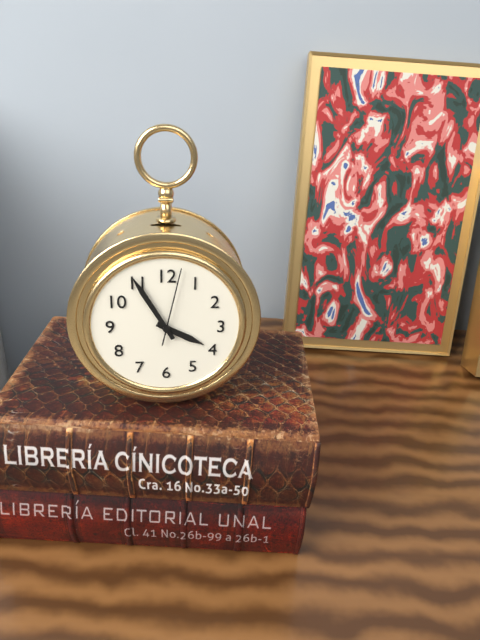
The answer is 3:55:02
